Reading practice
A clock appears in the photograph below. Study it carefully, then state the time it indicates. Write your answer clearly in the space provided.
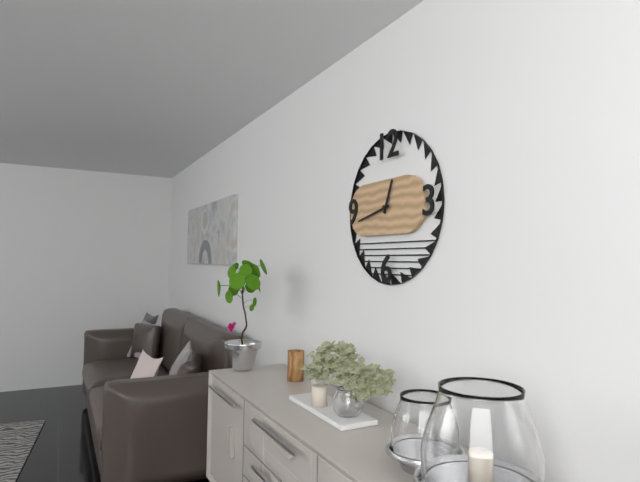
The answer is 12:43
